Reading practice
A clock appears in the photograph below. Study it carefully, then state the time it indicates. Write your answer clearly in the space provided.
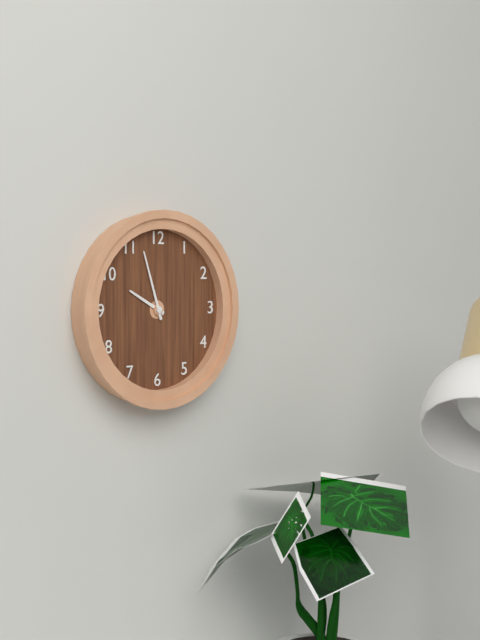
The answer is 9:57
